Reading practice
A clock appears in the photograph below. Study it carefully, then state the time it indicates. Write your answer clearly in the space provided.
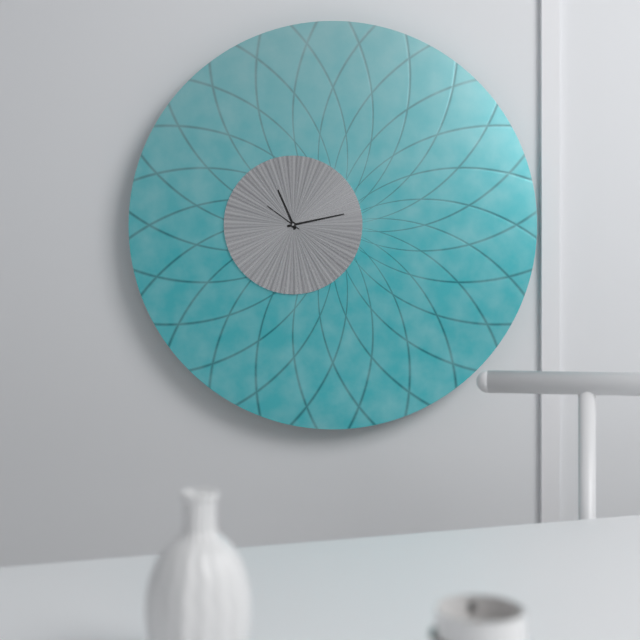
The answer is 11:13
